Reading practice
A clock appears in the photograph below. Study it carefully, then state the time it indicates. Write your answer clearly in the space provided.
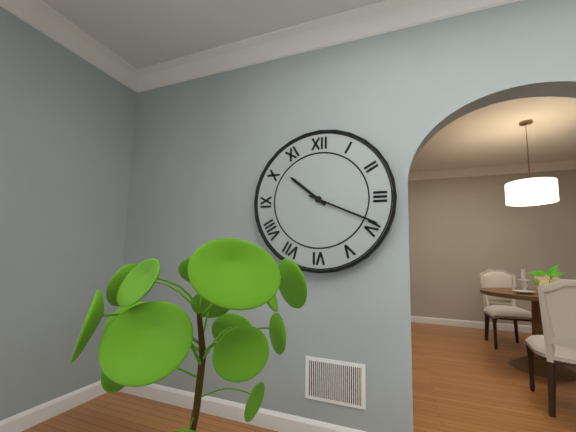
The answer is 10:19
